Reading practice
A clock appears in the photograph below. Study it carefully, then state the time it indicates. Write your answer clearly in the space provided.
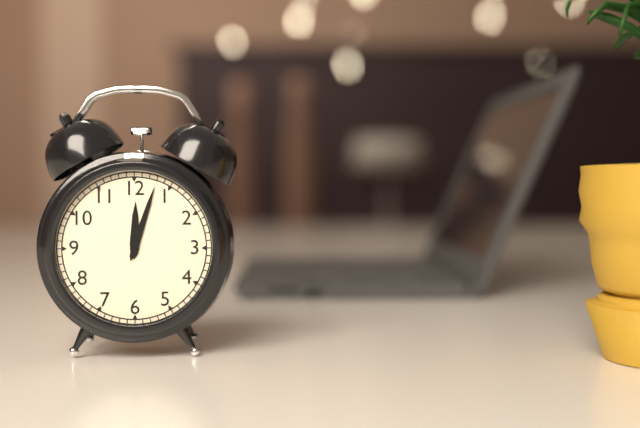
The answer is 12:03
